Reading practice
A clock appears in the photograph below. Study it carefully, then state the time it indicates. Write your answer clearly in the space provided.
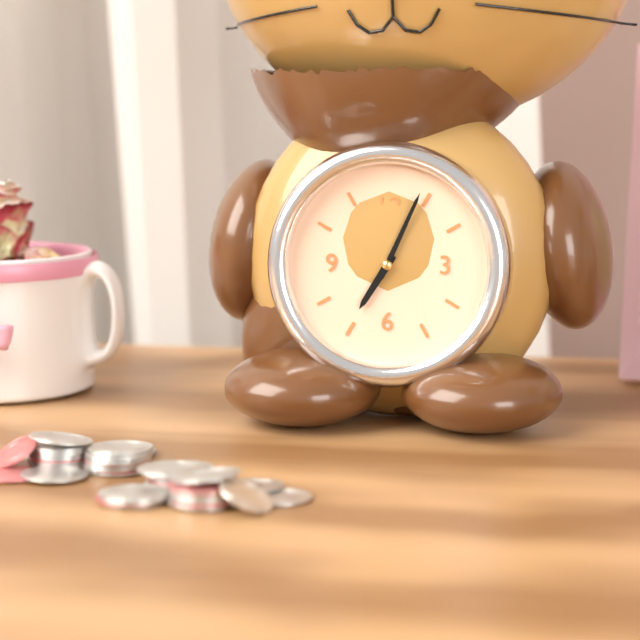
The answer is 7:04
